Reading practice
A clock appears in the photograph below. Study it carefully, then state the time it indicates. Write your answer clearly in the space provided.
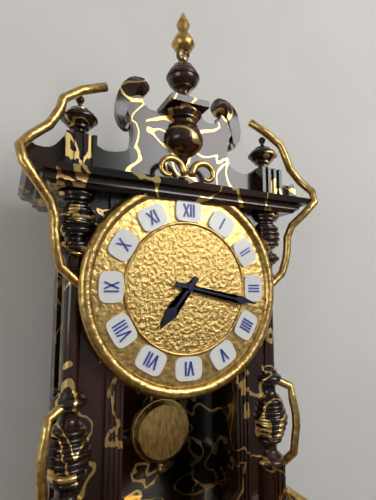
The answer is 7:17
